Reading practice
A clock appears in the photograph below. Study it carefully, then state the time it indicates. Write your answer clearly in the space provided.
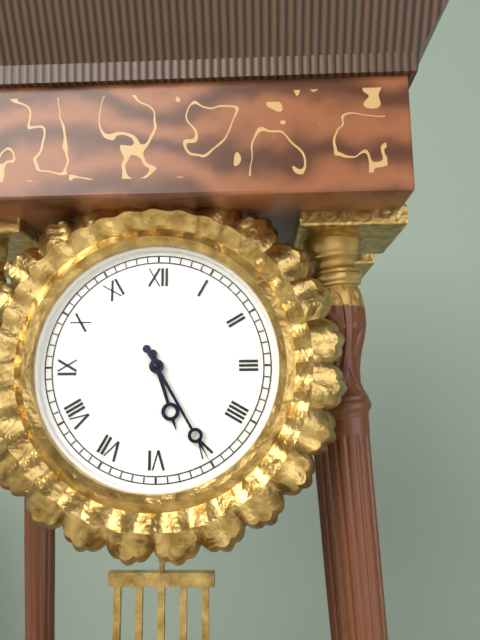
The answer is 5:25
